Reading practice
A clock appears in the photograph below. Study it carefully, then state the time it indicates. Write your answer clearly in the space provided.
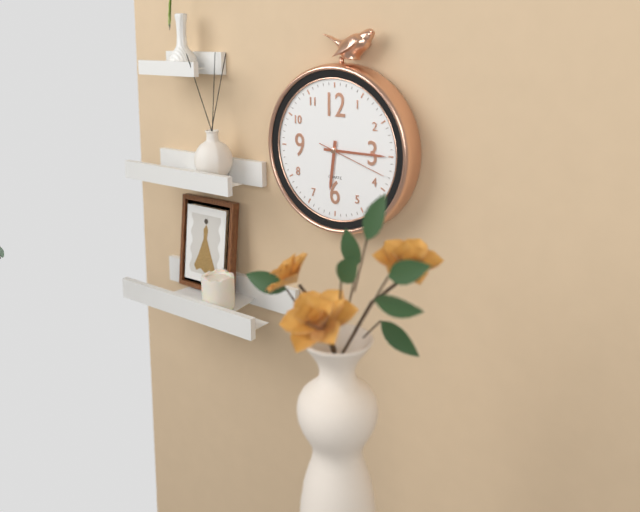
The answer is 6:15:18
